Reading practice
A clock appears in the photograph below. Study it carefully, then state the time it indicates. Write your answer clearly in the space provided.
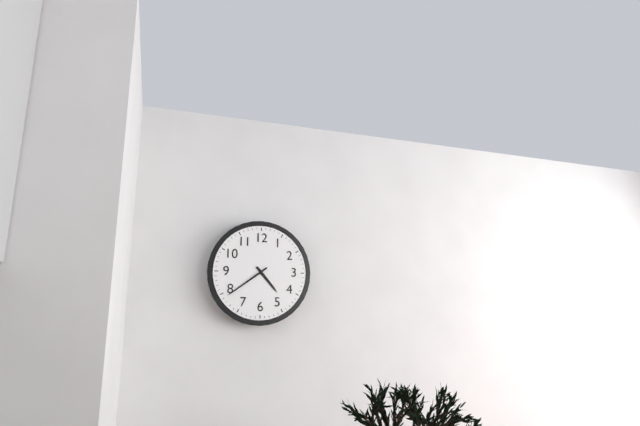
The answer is 4:39
